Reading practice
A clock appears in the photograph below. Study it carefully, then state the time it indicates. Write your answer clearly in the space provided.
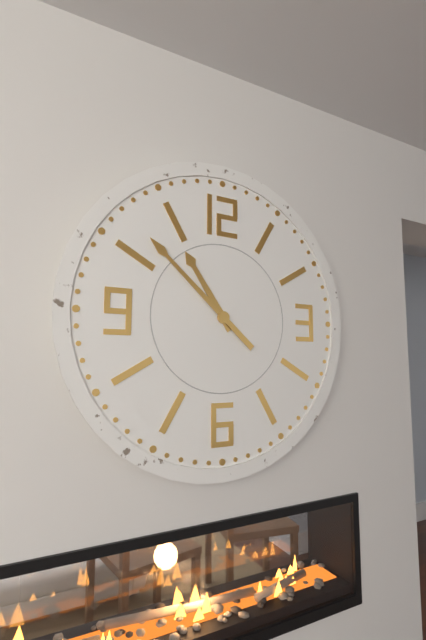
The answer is 10:52
